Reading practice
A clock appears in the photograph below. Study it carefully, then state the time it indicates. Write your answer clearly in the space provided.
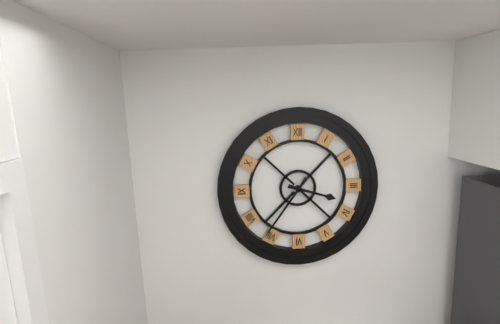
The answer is 3:36
